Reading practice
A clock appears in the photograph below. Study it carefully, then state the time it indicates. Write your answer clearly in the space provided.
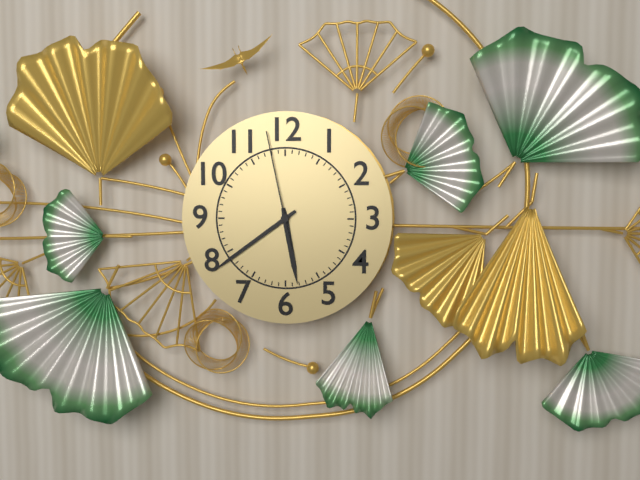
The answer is 5:39:58
